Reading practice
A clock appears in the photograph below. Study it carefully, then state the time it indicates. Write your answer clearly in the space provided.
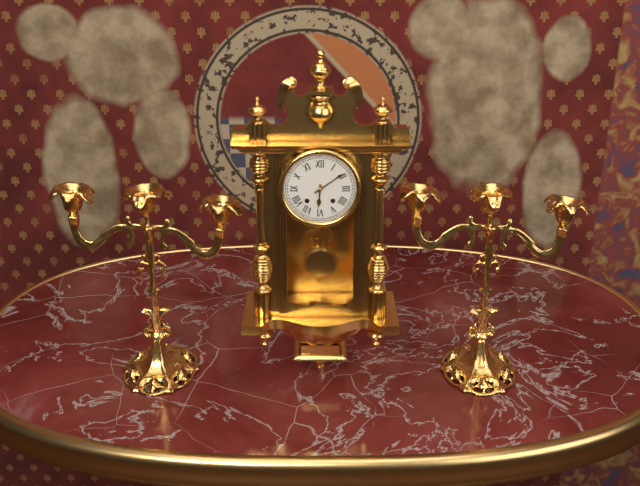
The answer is 6:09
